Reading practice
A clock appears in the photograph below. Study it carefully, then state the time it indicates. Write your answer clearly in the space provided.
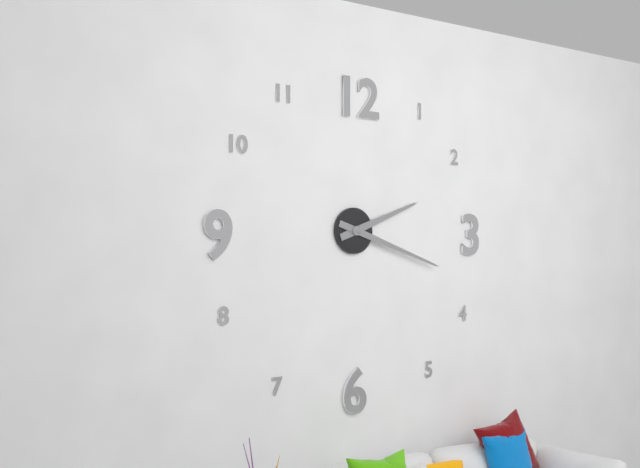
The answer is 2:18
